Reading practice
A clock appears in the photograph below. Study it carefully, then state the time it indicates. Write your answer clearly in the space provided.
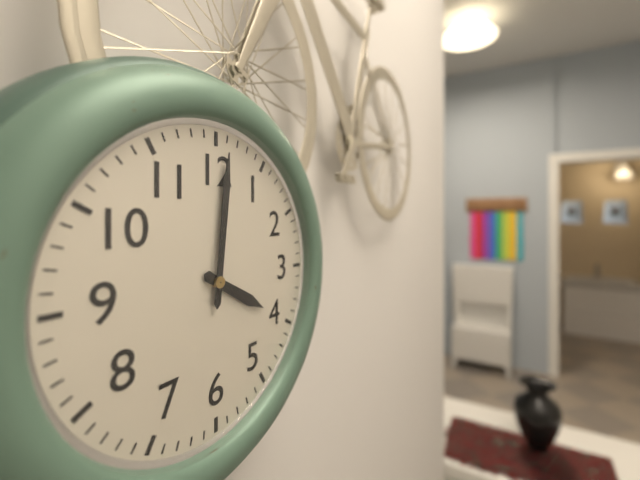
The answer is 4:01
